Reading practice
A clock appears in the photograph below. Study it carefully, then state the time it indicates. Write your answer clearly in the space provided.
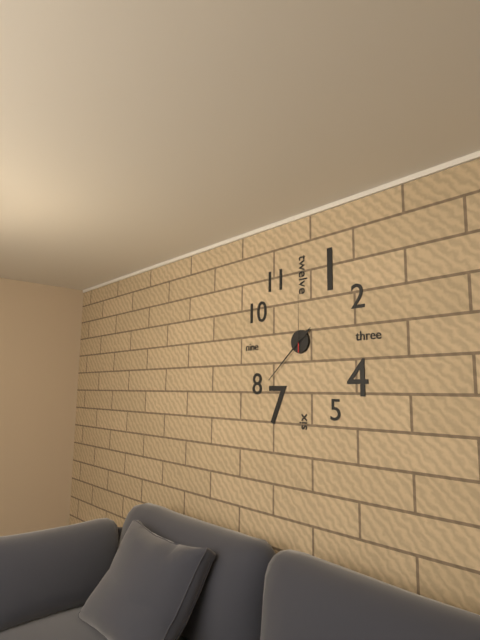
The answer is 1:38:00
